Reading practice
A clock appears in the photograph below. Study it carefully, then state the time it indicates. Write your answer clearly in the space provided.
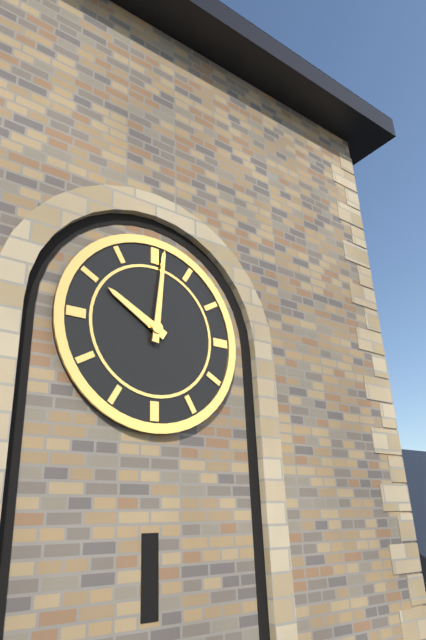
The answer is 10:01
